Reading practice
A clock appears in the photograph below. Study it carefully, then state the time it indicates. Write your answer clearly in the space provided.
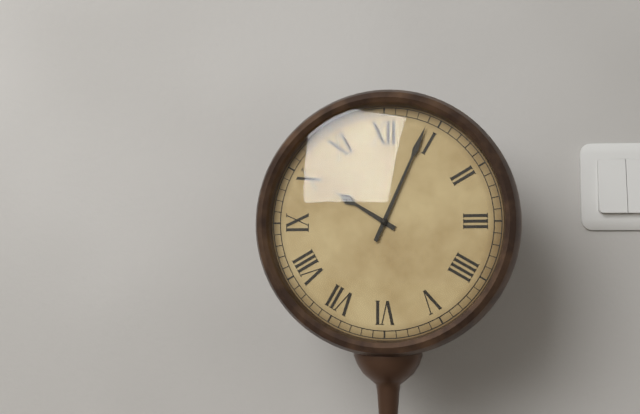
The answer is 10:04
